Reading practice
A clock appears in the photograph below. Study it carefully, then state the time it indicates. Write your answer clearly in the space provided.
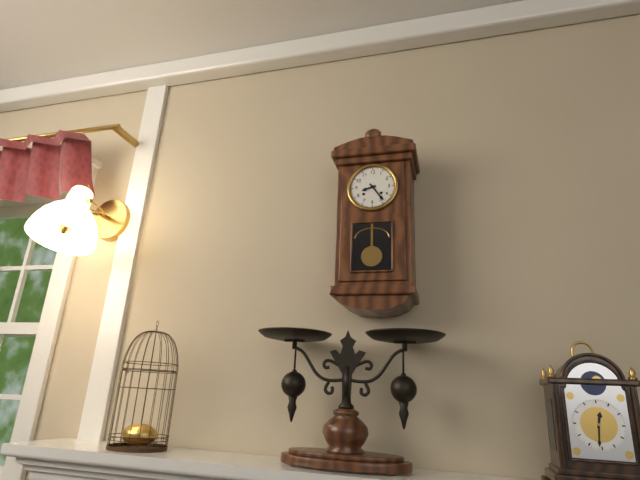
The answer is 8:24
